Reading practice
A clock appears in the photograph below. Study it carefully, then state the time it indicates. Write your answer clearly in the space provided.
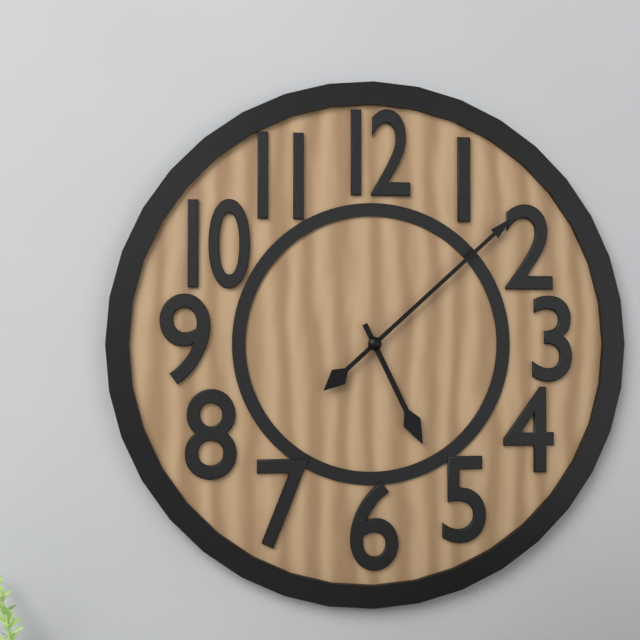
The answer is 5:08
